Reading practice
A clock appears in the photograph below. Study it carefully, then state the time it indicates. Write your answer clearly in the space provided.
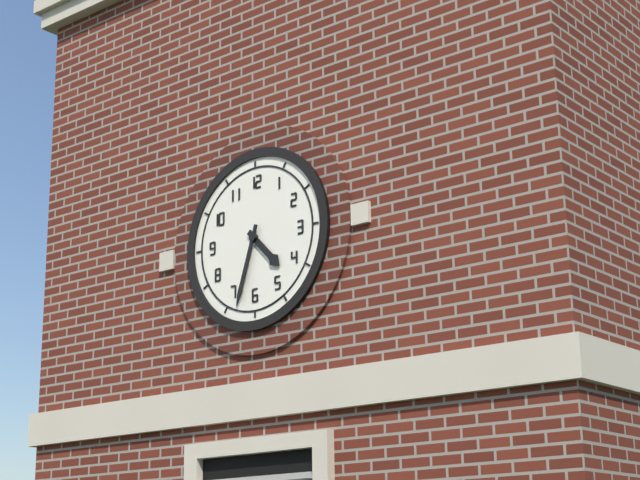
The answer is 4:33
